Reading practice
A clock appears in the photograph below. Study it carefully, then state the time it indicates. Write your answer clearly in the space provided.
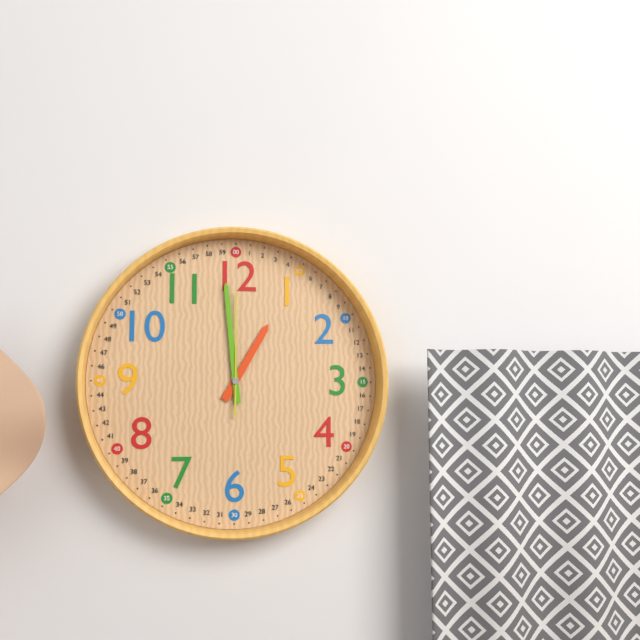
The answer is 12:59:00
